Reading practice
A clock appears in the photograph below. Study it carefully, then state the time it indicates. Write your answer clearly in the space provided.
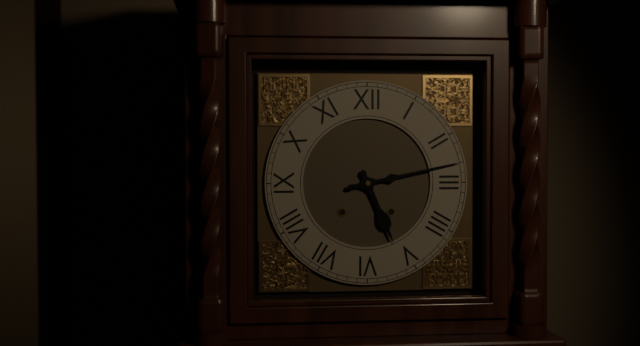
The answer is 5:13
